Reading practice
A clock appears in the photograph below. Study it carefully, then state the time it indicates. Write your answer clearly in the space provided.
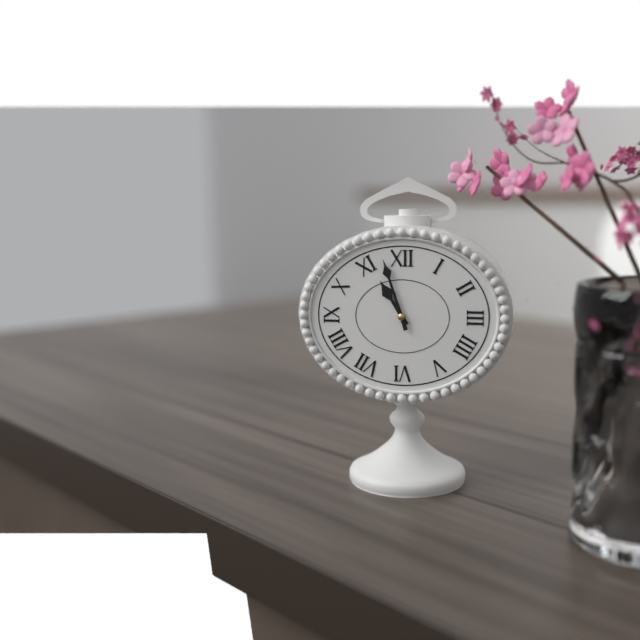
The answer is 10:57
